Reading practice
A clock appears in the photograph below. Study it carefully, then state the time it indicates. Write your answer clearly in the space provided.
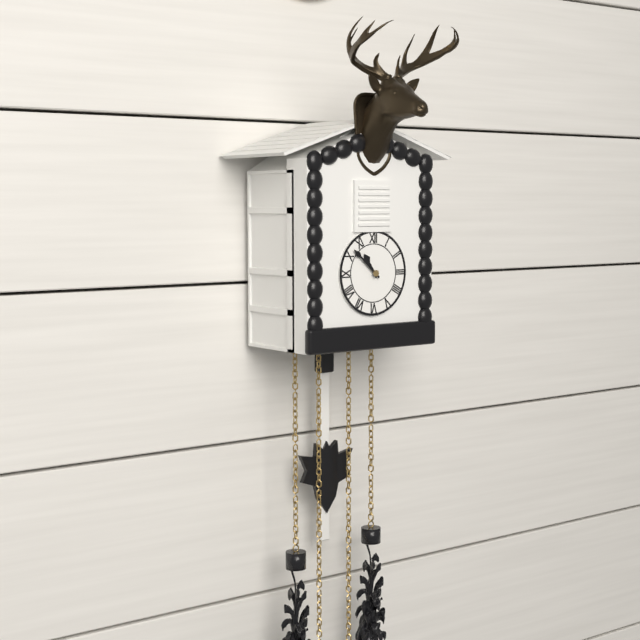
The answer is 10:52
